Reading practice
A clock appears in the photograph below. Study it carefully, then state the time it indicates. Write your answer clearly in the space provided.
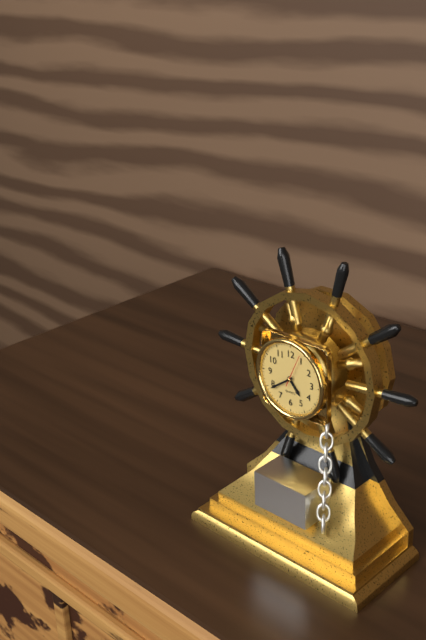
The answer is 4:39
